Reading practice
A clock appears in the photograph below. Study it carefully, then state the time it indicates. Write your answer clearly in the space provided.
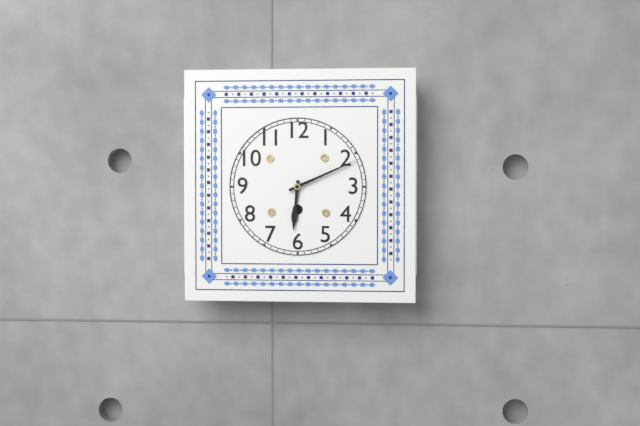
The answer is 6:11
